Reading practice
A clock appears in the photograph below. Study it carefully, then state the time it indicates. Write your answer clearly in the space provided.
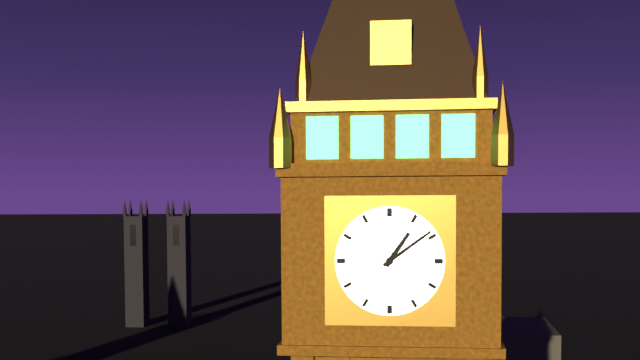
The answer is 1:09
